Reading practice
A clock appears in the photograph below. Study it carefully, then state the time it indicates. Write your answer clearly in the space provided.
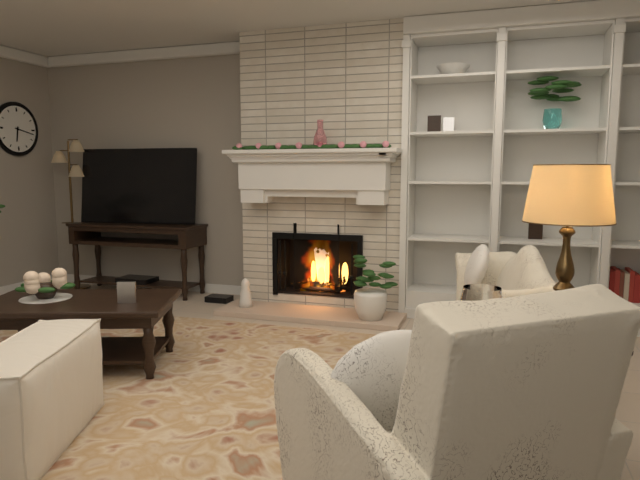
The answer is 6:17
